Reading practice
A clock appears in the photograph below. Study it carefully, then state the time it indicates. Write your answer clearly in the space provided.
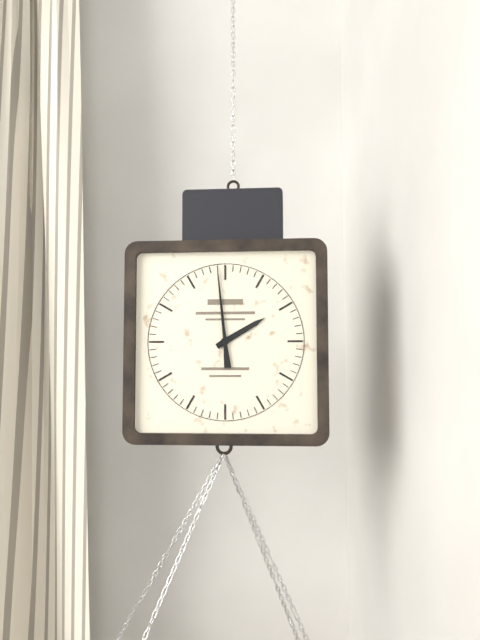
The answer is 1:59
